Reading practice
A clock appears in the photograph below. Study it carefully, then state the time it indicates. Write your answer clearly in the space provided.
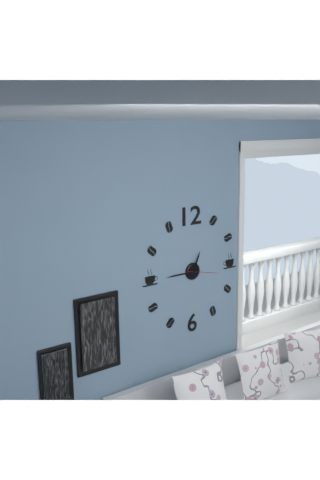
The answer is 12:45
